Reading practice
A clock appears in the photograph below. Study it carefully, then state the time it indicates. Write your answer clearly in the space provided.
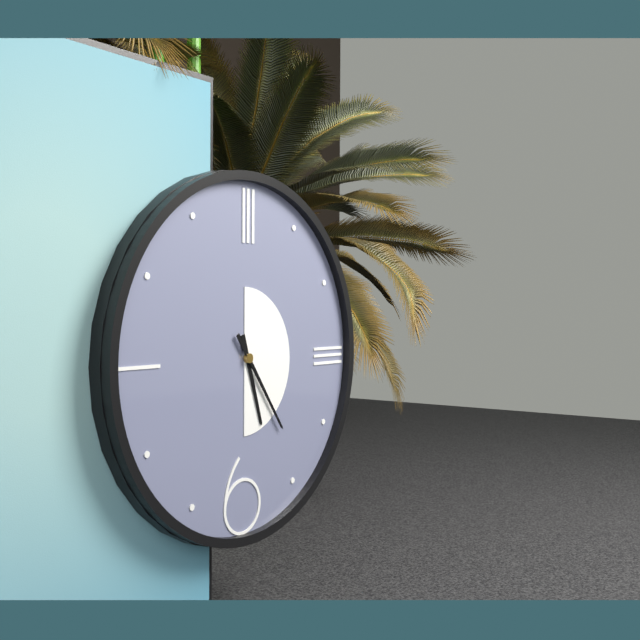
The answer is 5:24
